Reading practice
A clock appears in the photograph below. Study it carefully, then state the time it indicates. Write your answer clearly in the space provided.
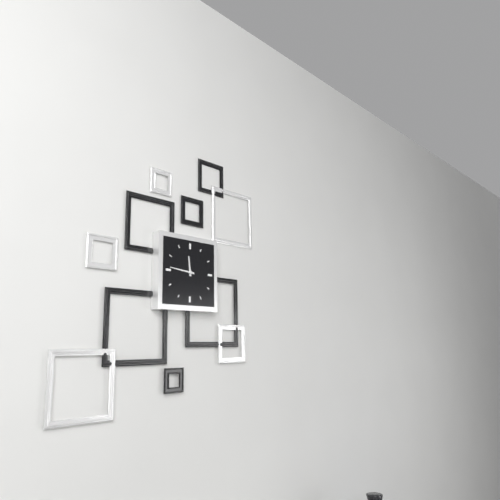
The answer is 11:46
